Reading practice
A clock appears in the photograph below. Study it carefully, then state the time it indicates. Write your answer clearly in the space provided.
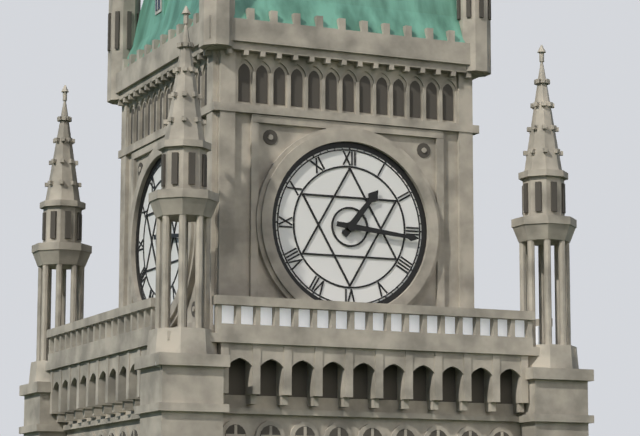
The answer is 1:16
